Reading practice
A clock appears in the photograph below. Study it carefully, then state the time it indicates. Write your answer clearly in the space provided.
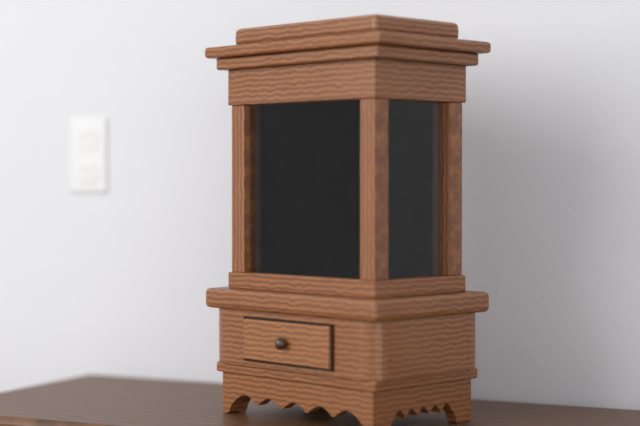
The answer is 2:28
